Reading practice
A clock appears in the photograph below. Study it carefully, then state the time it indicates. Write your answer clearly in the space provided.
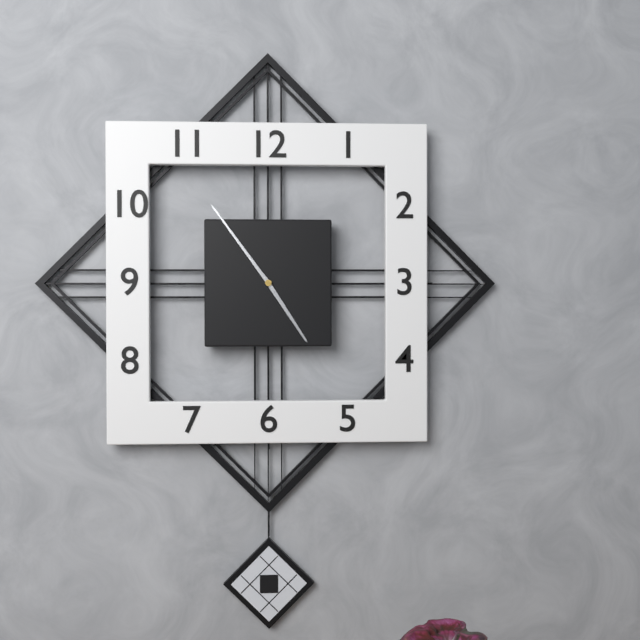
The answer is 4:54:54
